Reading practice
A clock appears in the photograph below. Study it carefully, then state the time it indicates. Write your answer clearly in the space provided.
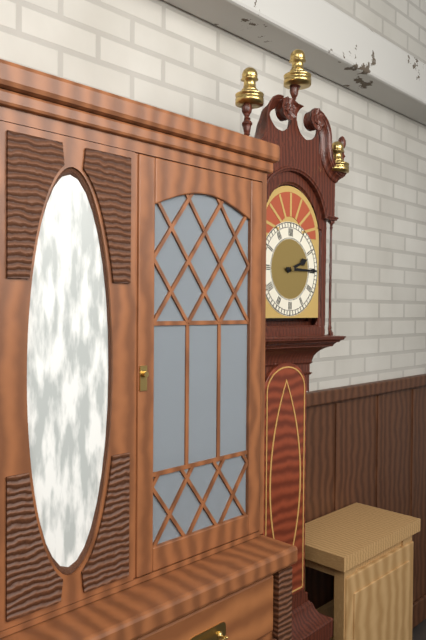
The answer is 2:15
